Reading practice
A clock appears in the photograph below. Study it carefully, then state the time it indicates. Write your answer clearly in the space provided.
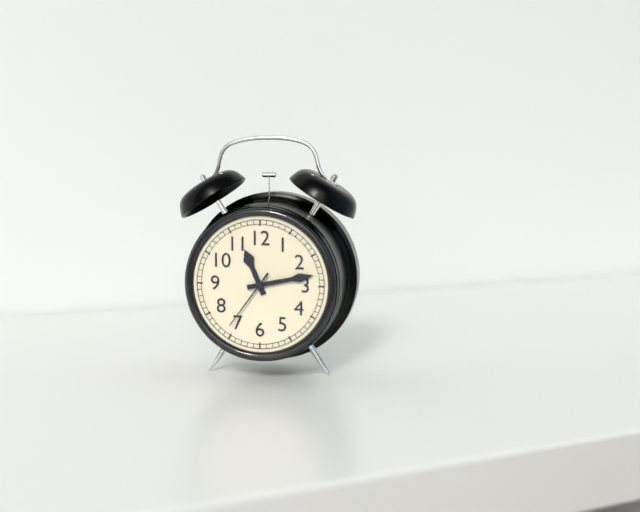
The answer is 11:13:36
